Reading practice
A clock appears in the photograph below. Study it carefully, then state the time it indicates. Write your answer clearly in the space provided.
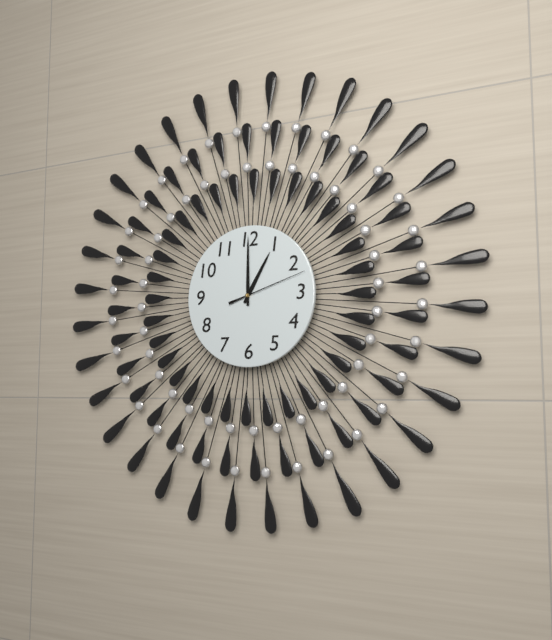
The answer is 1:00:12
